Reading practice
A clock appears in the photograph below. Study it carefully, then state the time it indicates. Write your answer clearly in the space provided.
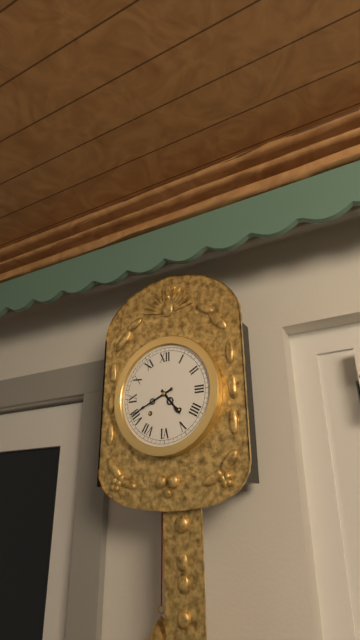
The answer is 4:41
